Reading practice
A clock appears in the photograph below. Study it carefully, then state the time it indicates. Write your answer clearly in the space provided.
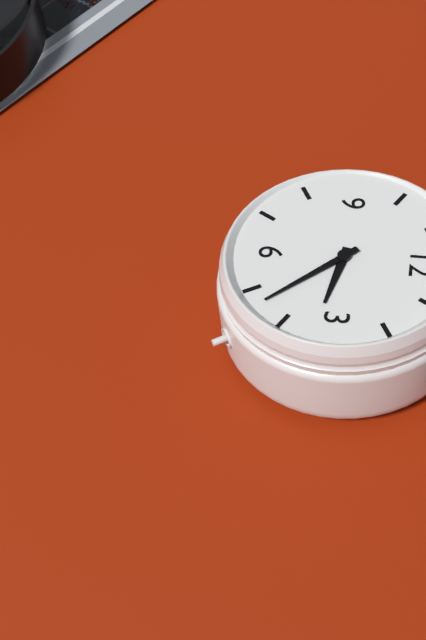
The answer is 3:23
